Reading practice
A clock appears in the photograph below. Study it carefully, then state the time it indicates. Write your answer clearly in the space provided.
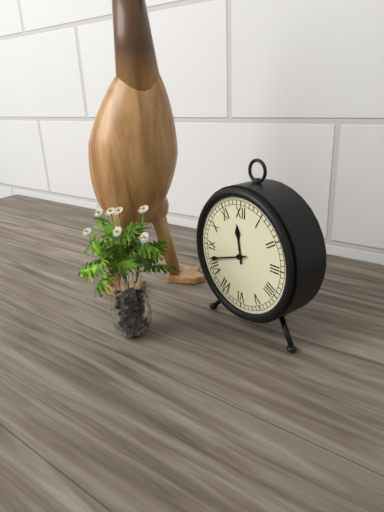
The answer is 11:42
